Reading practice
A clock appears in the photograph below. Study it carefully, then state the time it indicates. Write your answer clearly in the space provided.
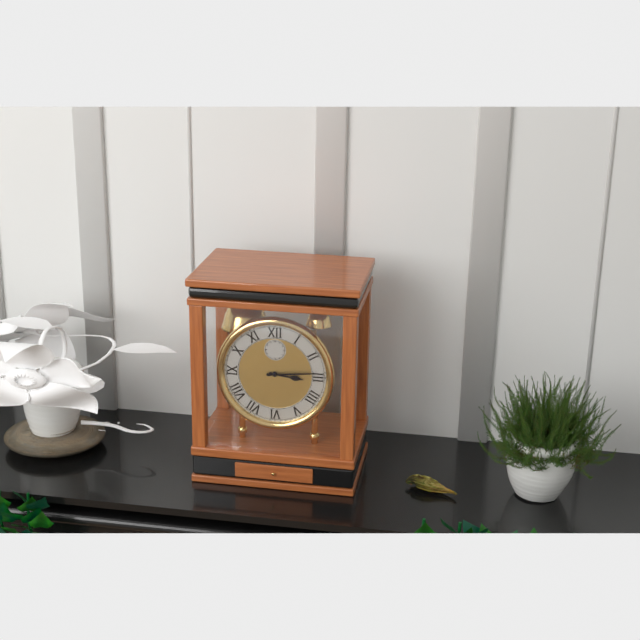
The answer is 3:14
